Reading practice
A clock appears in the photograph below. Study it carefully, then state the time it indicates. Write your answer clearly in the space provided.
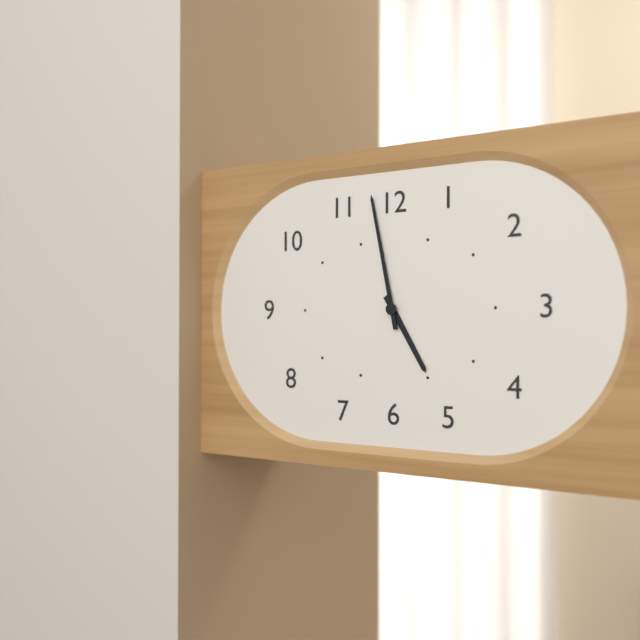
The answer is 4:58
